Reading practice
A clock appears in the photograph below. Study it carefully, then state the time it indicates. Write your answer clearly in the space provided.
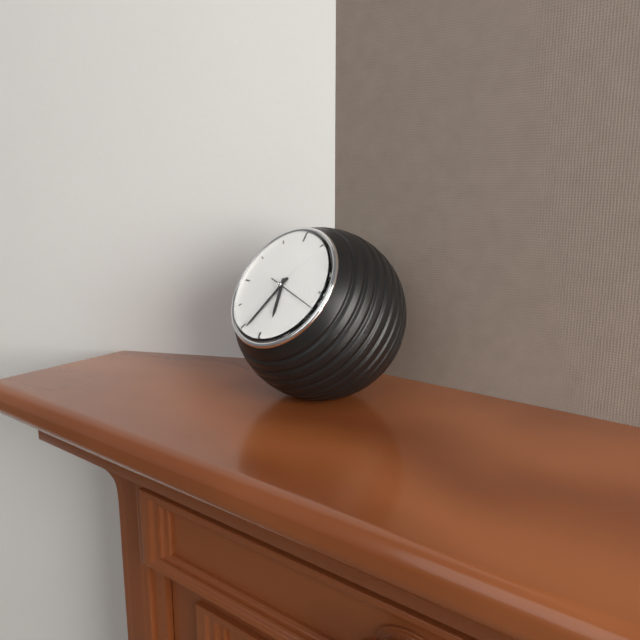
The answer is 5:34
